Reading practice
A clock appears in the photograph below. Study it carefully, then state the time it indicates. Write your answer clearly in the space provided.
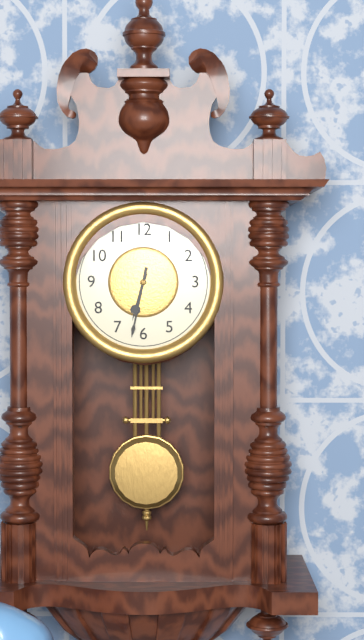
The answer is 6:32
